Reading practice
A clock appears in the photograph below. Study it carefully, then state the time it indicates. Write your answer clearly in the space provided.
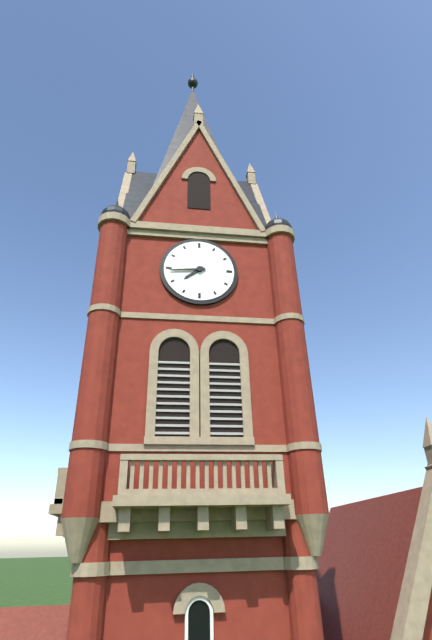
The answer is 7:44
